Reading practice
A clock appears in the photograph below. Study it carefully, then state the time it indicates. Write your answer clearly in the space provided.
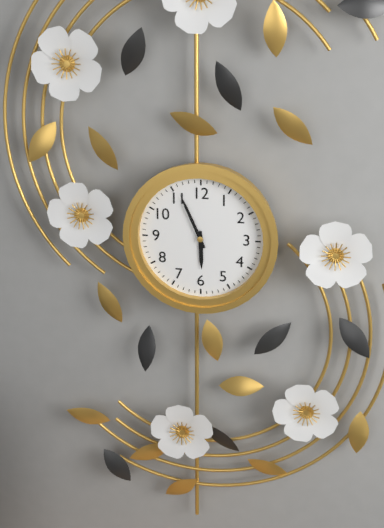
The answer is 5:56
